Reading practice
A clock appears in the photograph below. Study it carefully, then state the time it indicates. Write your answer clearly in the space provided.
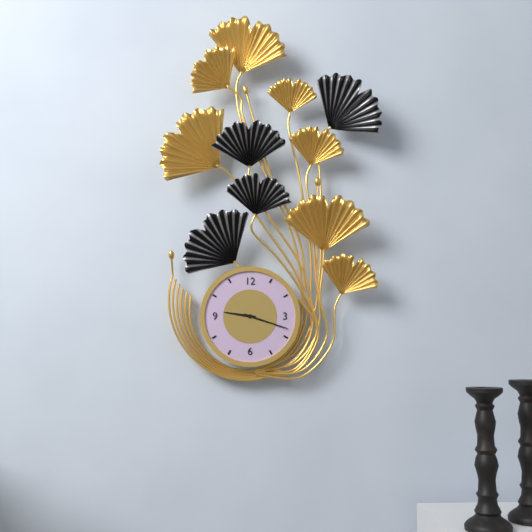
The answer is 9:18
